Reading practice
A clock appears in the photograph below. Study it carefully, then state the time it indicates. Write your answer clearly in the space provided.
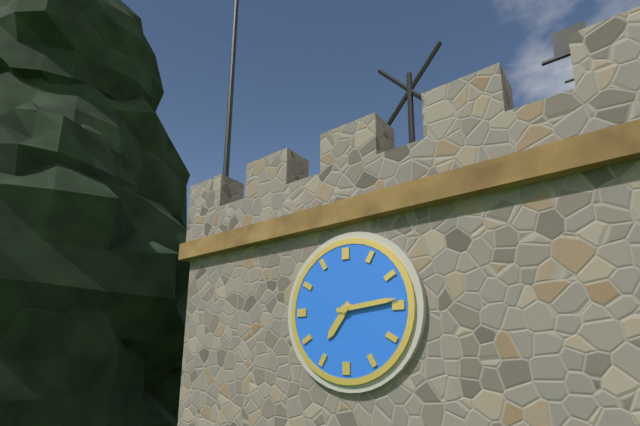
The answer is 7:14
